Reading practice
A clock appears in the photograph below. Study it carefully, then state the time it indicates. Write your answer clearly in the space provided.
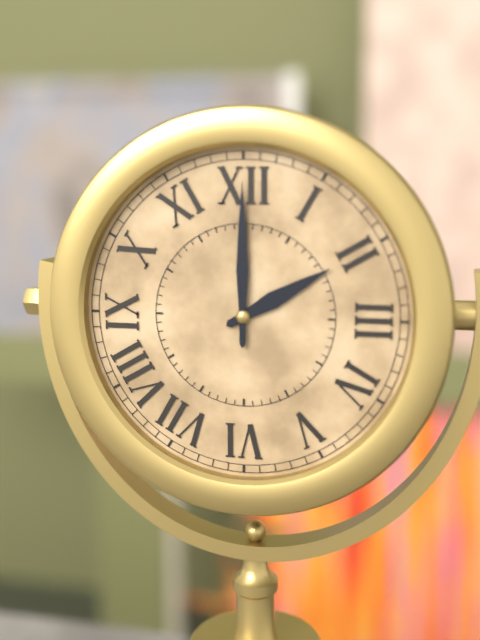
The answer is 2:00
